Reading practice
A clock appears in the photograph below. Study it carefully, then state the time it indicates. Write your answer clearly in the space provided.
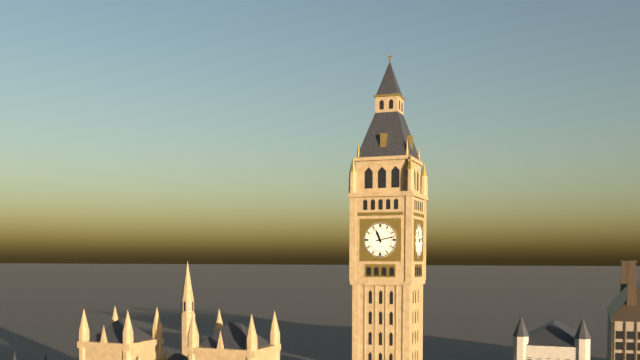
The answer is 11:13
